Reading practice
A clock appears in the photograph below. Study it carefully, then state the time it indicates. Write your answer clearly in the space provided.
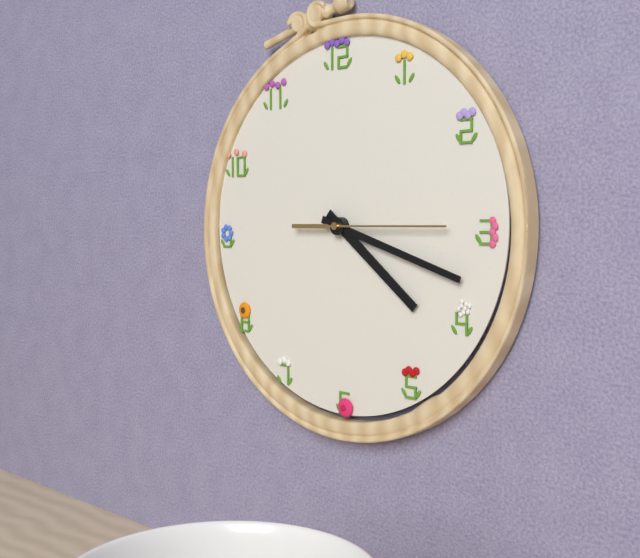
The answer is 4:18:15
